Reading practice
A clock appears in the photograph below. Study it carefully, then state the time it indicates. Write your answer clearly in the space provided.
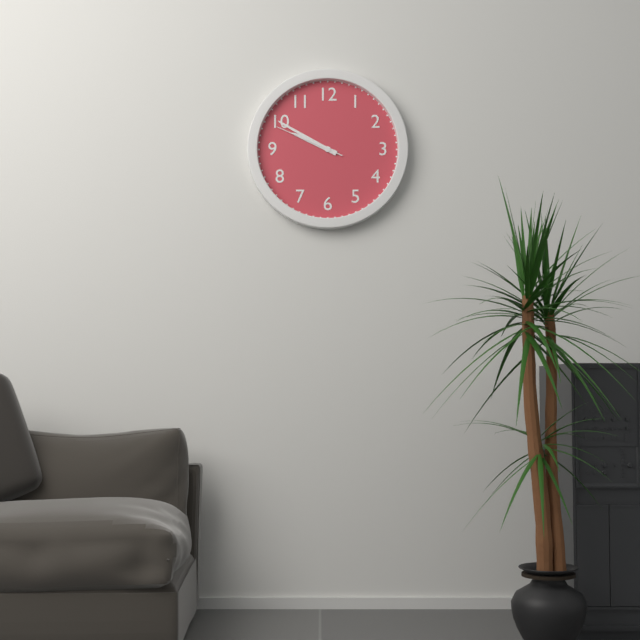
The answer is 9:50:49
